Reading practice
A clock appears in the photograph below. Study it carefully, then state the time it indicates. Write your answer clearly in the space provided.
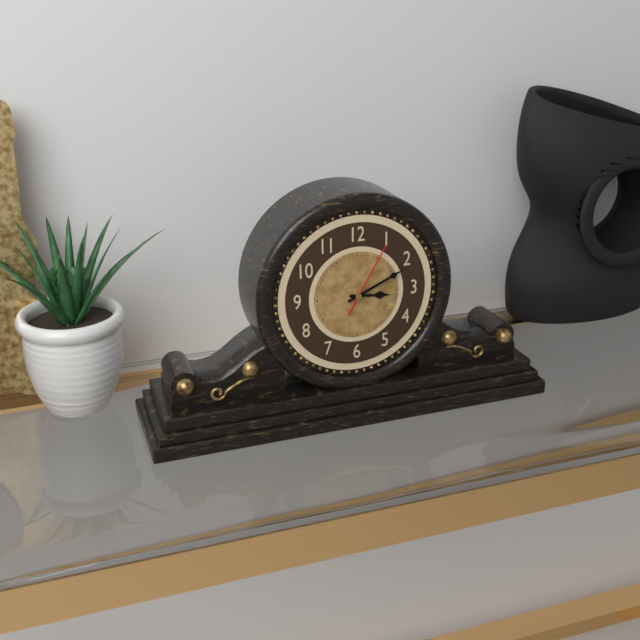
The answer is 3:11:05
